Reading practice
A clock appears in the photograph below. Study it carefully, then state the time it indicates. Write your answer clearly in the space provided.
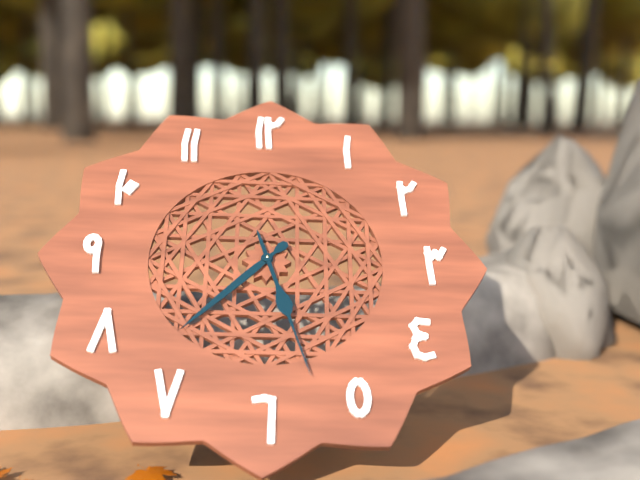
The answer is 7:27
